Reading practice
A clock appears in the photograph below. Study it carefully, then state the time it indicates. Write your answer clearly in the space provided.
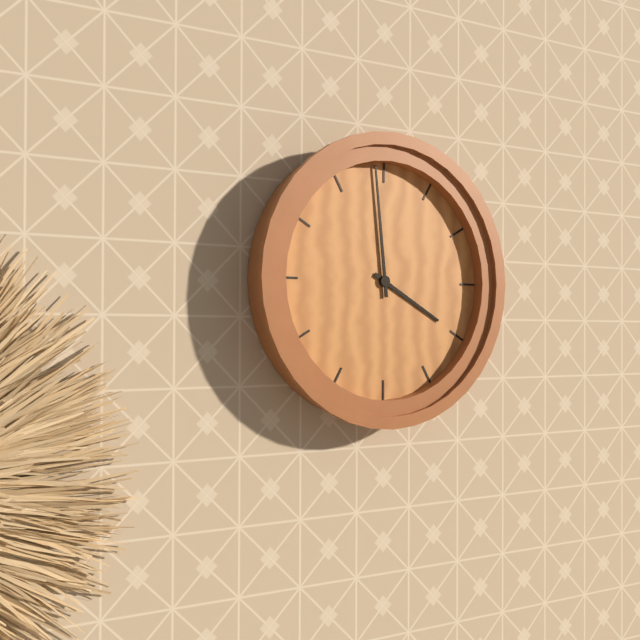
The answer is 3:59
